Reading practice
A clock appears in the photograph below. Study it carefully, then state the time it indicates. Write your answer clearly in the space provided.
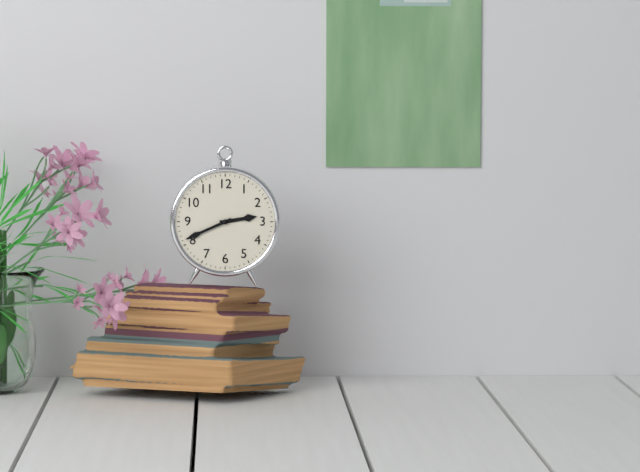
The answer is 2:41
